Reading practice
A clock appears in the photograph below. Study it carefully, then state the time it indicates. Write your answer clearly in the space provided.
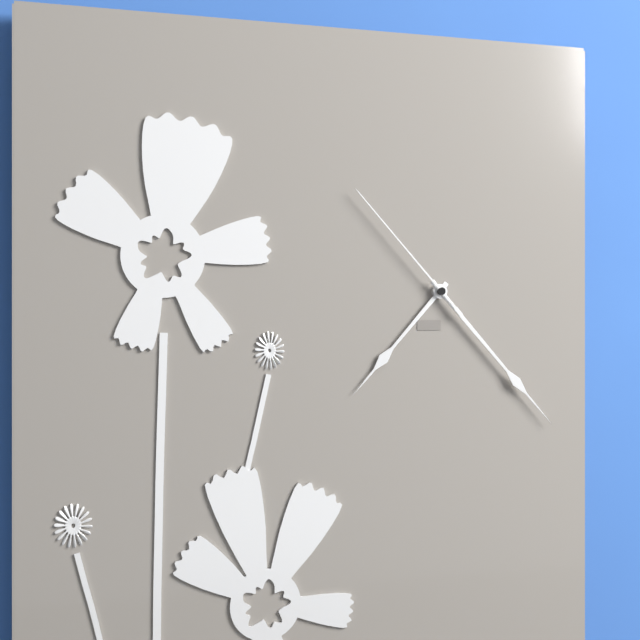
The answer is 7:23:53
